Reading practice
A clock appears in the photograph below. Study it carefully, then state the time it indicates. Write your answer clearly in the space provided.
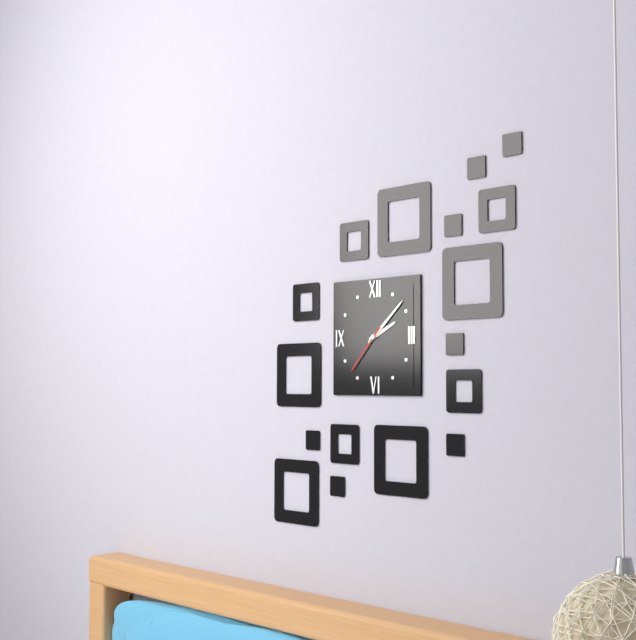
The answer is 2:08:37
